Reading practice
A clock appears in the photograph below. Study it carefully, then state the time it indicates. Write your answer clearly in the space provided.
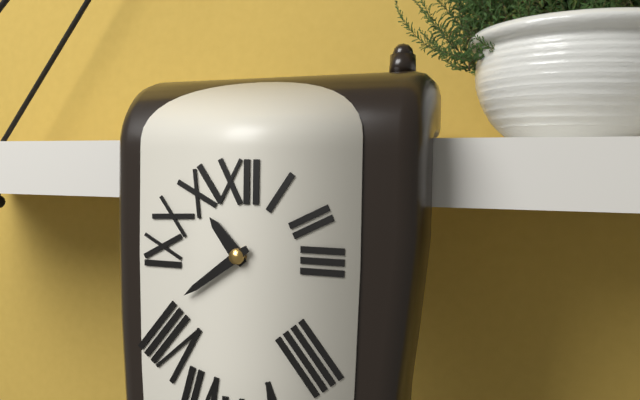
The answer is 10:39
